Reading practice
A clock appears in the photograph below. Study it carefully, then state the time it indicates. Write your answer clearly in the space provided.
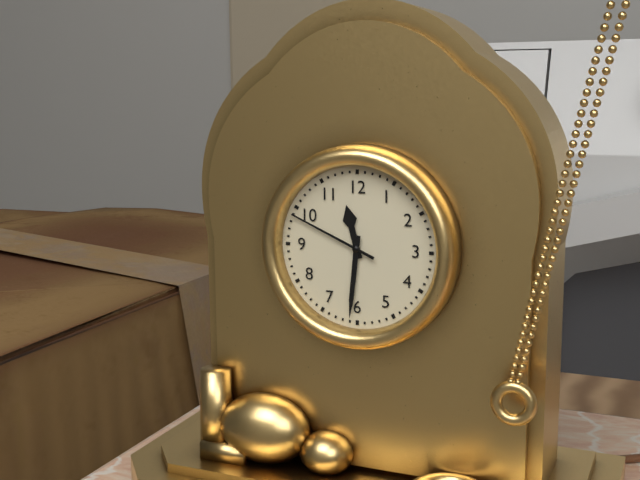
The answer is 11:31:49
